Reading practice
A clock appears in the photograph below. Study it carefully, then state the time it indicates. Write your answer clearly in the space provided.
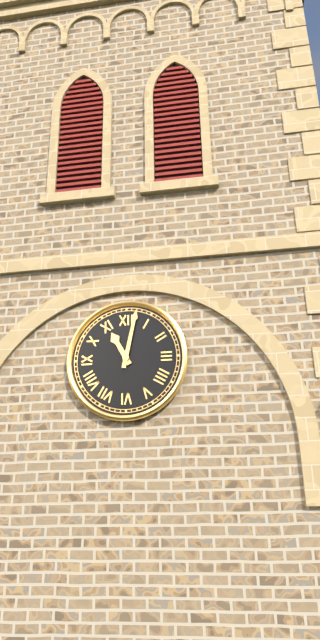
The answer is 11:02
